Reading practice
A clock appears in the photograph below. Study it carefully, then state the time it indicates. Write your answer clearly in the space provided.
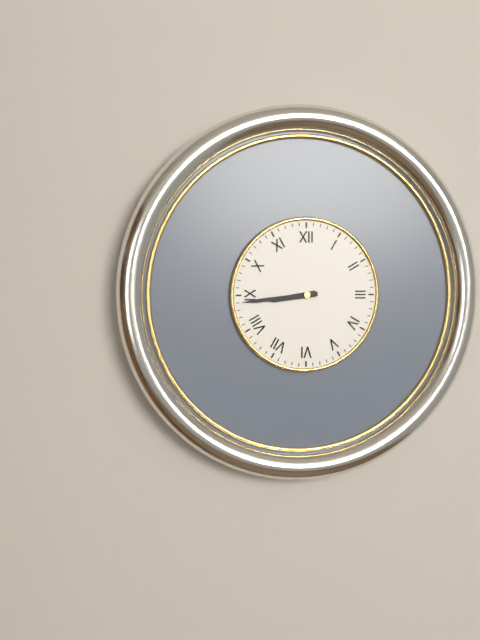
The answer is 8:44
